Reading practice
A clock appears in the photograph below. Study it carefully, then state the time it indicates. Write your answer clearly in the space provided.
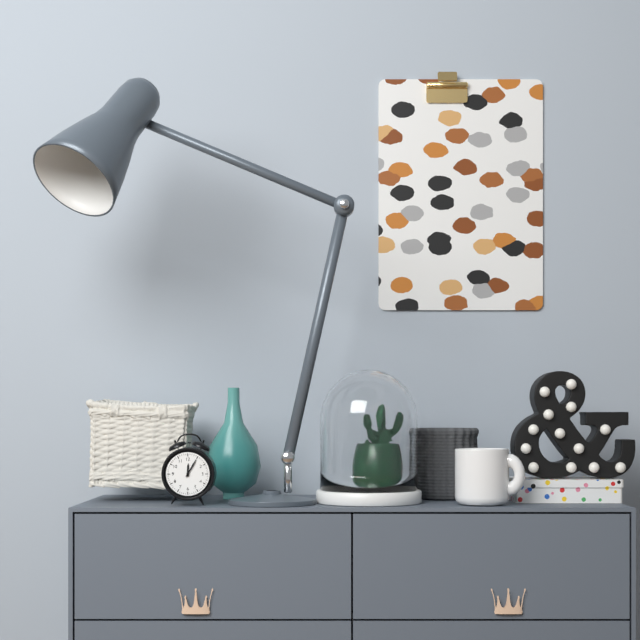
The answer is 12:05
